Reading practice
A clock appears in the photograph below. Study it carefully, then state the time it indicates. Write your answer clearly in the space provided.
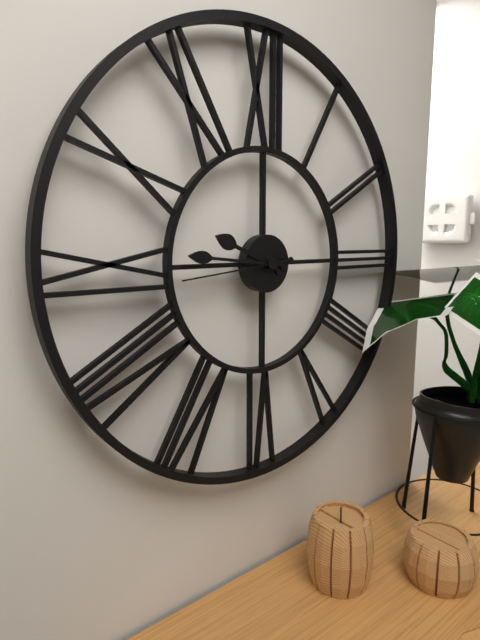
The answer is 9:46:44
